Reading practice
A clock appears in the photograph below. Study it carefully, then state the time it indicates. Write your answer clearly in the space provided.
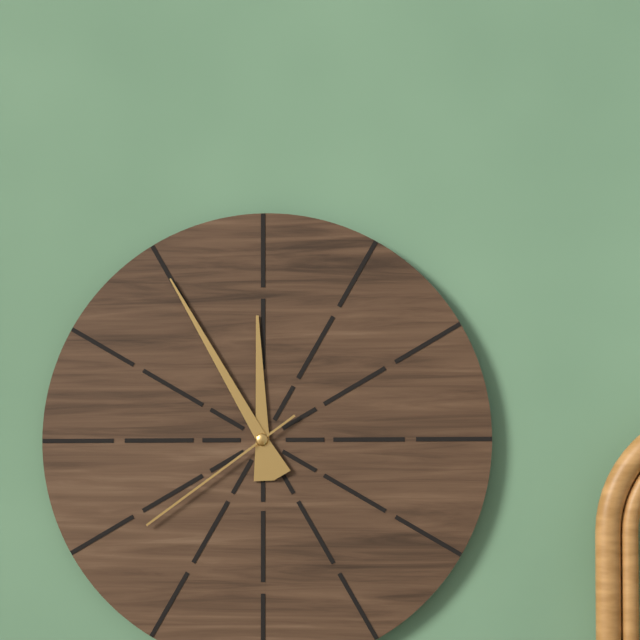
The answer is 11:55:39
